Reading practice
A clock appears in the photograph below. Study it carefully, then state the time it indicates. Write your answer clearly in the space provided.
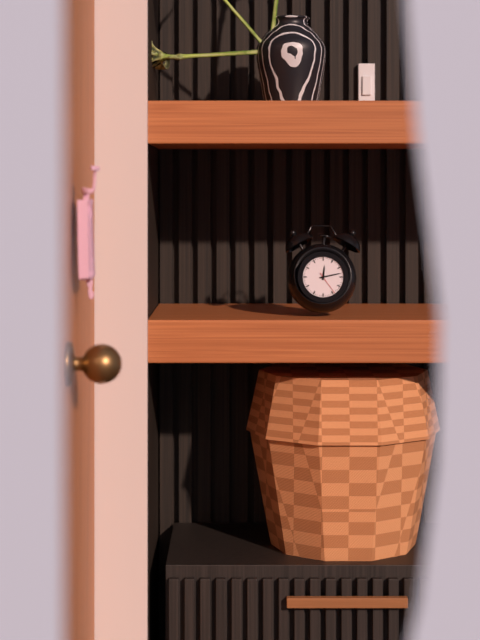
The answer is 12:13
